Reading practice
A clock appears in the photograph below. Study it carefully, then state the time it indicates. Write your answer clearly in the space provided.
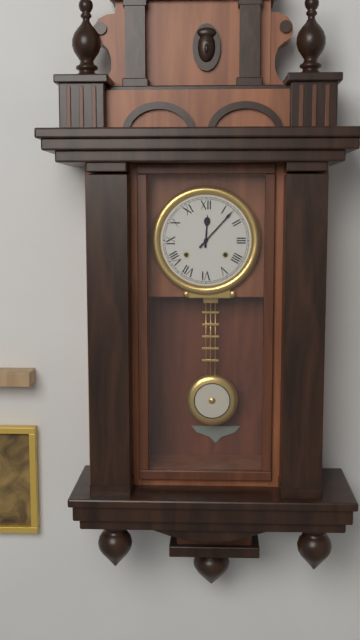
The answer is 12:07
